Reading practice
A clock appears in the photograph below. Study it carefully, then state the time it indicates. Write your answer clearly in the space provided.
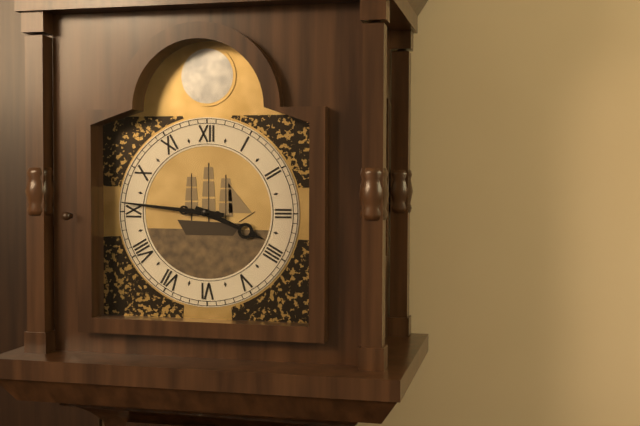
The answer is 3:46
